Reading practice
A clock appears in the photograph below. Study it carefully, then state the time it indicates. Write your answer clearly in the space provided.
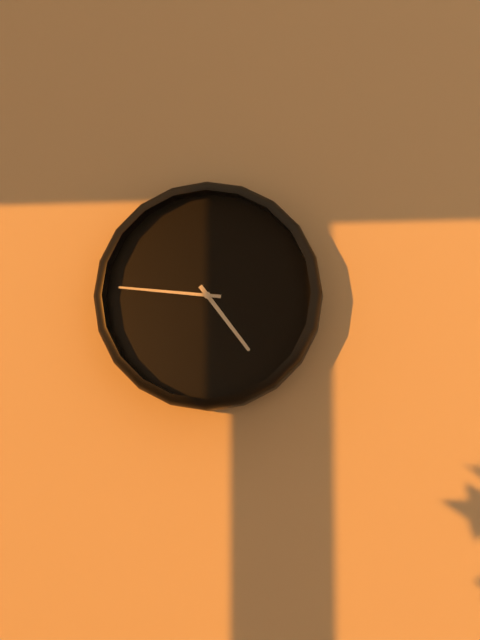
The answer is 4:46
